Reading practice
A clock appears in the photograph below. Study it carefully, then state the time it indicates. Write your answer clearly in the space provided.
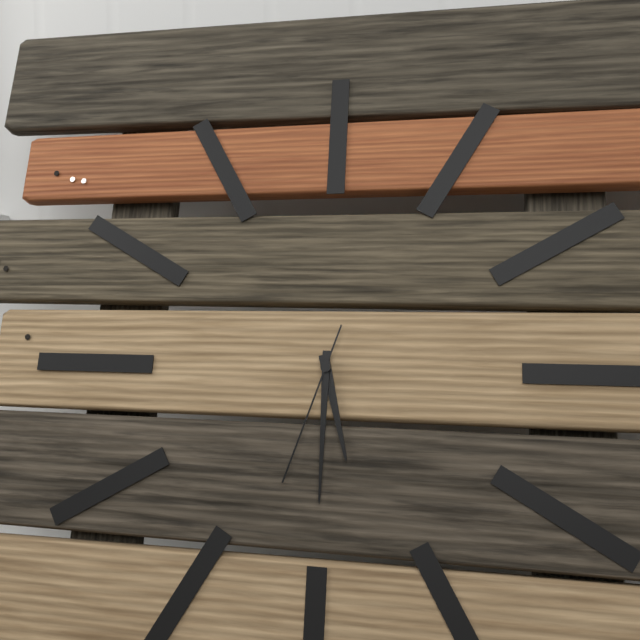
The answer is 5:30:33
